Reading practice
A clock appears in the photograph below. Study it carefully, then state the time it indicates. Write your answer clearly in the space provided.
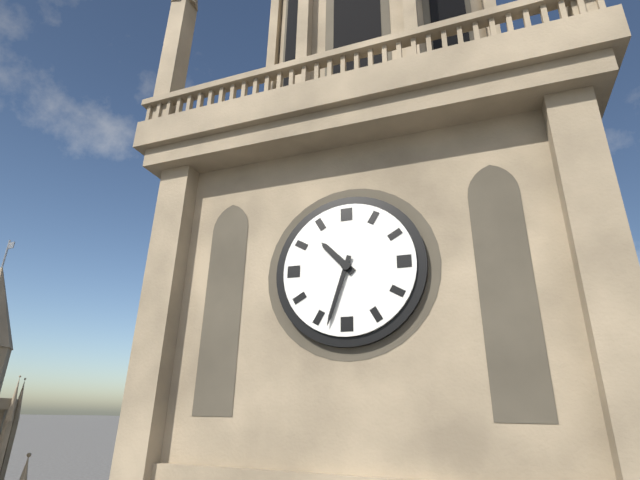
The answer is 10:33
